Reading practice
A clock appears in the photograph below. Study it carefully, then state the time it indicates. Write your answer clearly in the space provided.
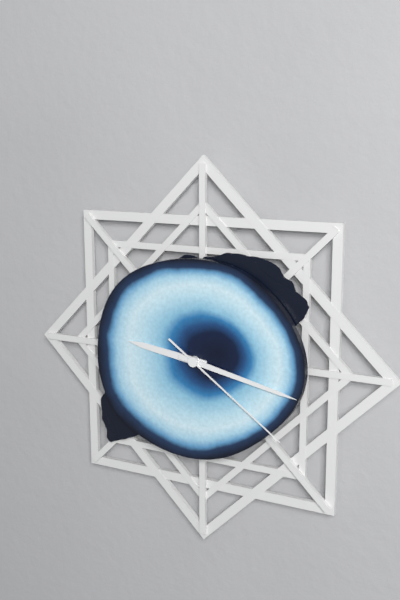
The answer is 9:17:21
